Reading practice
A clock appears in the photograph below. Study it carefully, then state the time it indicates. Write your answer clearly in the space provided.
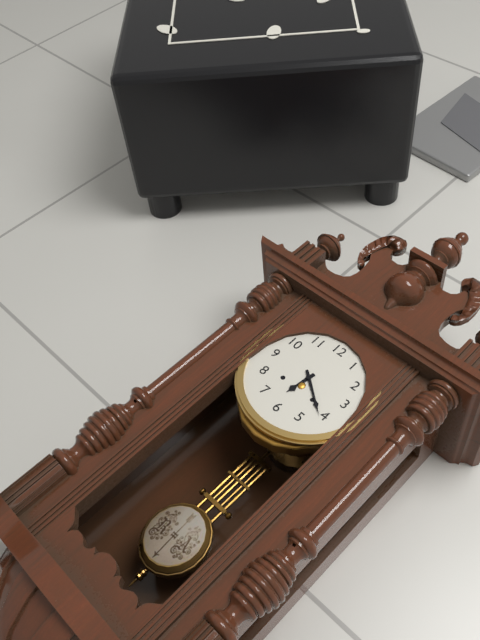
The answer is 6:21
